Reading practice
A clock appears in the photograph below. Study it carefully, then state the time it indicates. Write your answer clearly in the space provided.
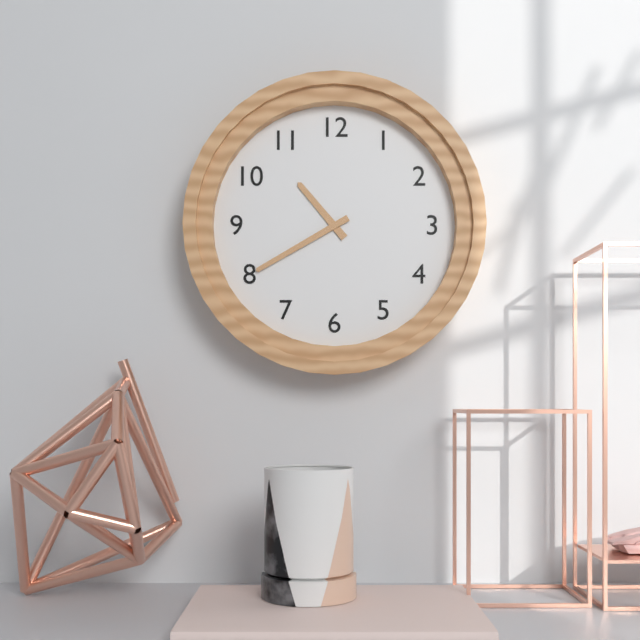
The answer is 10:40
